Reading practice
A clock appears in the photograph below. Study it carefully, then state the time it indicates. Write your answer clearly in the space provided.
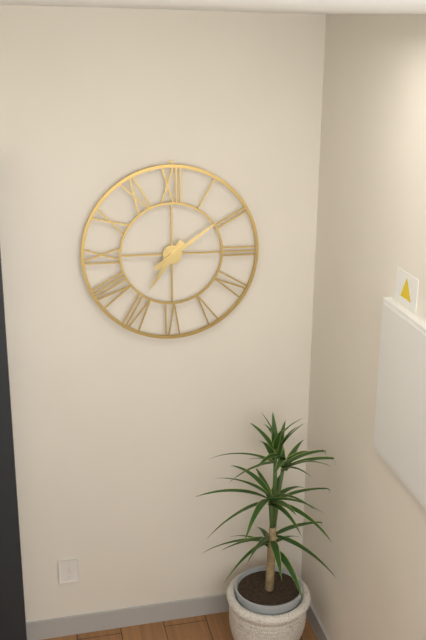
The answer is 7:09
